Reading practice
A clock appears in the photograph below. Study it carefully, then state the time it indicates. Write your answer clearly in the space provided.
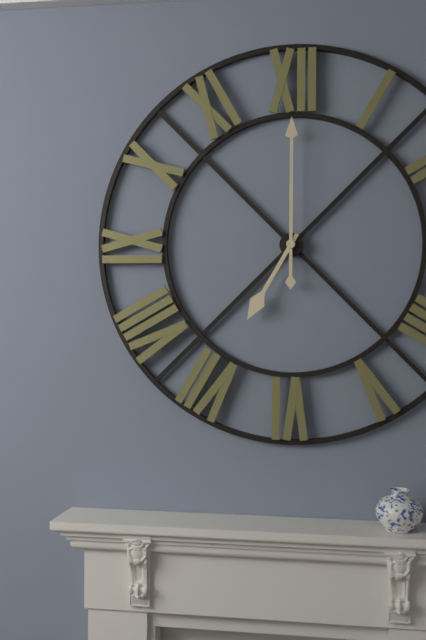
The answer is 7:00
